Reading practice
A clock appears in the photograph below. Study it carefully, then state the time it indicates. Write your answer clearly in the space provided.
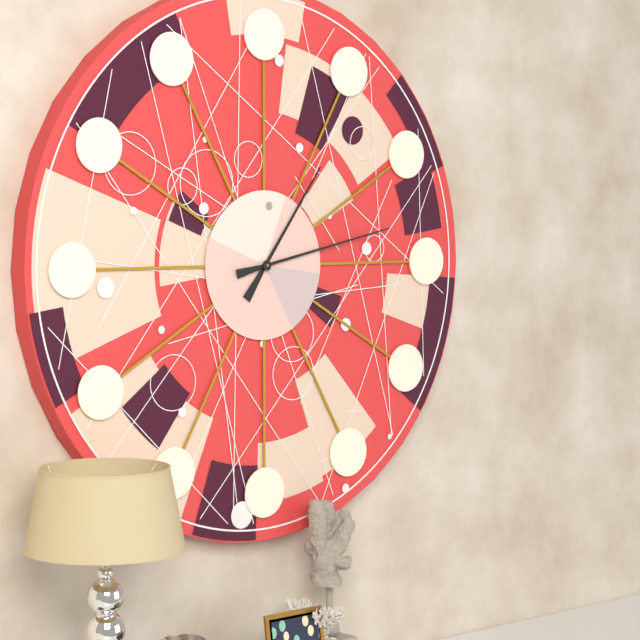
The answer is 1:13
